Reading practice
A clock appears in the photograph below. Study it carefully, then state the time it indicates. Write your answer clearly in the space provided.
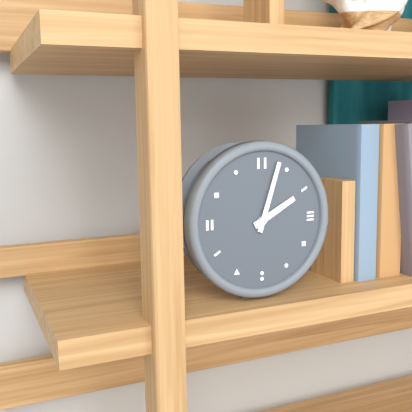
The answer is 2:03
